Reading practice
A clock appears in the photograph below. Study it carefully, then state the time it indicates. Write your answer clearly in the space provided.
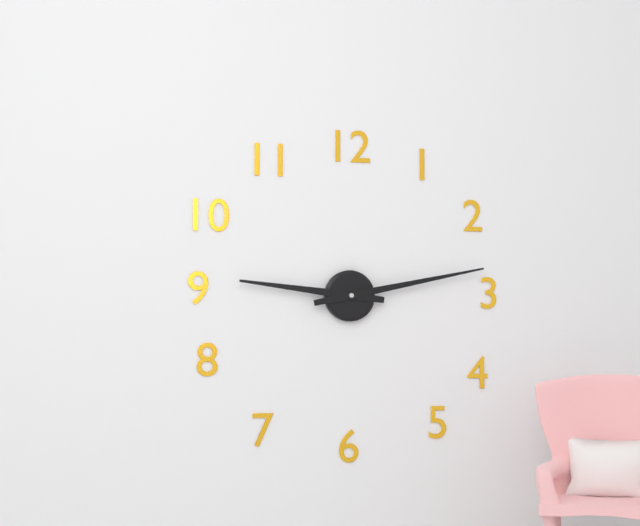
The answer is 9:13
